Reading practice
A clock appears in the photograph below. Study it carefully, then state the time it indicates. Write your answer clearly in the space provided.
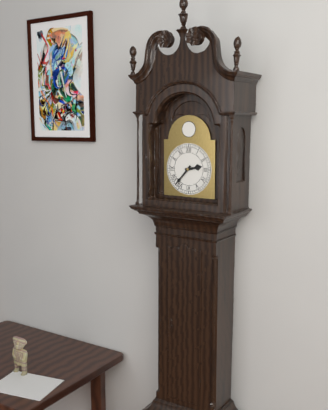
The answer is 2:37
